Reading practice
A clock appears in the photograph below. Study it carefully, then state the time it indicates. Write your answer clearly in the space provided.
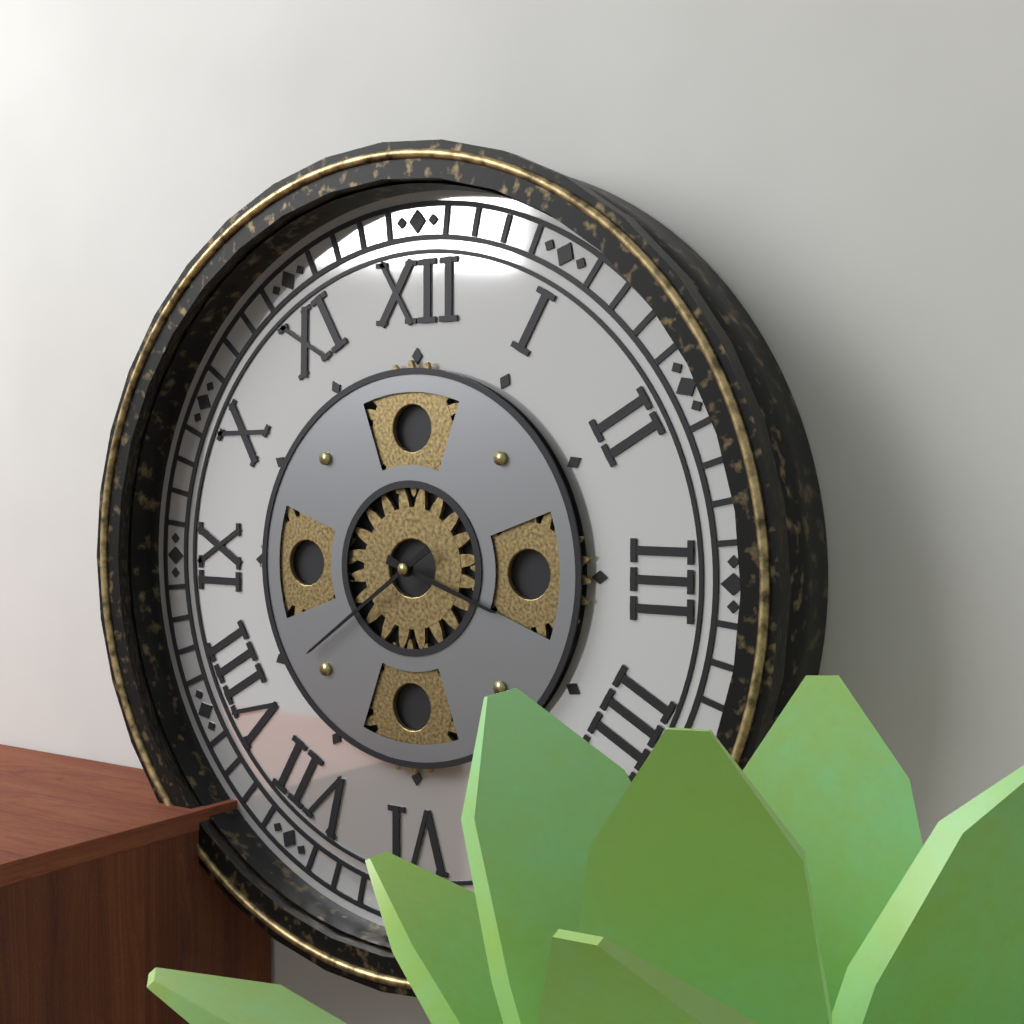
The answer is 3:39
